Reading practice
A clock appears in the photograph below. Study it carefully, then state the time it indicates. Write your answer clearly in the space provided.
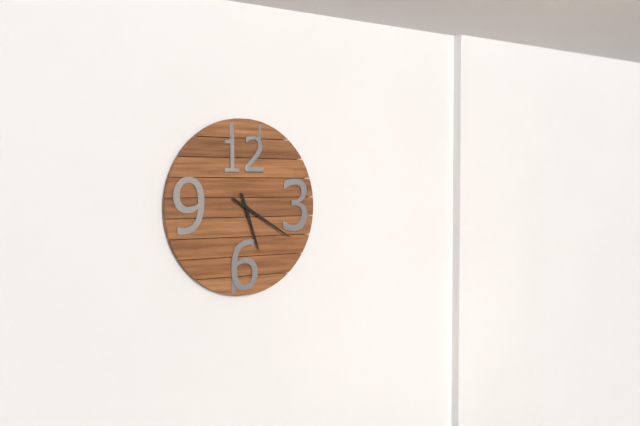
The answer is 5:20
